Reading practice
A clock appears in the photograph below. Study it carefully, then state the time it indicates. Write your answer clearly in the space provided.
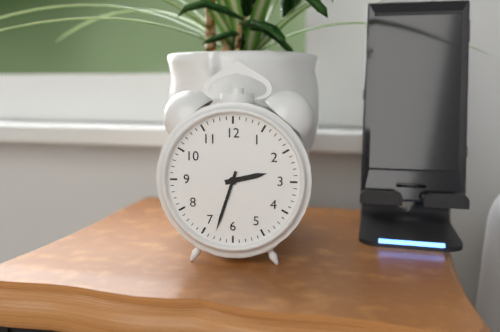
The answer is 2:33
